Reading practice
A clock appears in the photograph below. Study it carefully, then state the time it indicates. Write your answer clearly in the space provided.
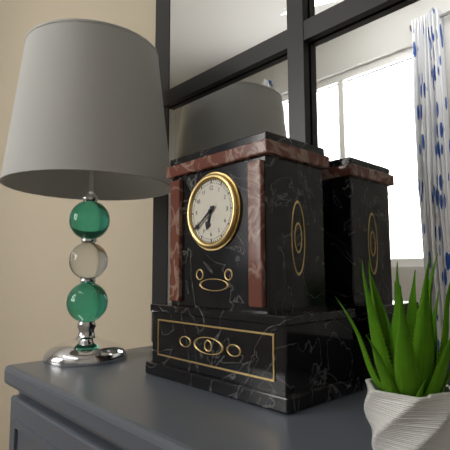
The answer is 6:39
